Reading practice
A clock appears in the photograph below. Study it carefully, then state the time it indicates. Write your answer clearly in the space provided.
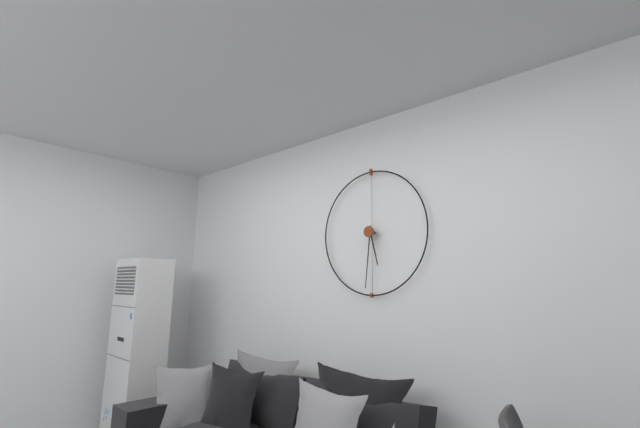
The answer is 5:31
